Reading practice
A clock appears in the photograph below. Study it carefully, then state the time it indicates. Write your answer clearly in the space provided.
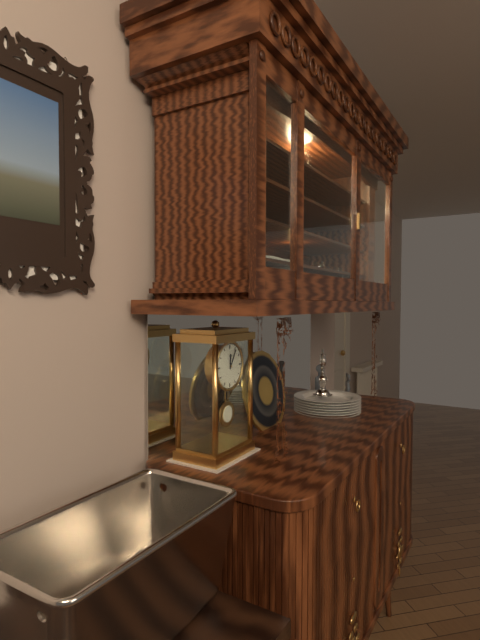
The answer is 12:05
